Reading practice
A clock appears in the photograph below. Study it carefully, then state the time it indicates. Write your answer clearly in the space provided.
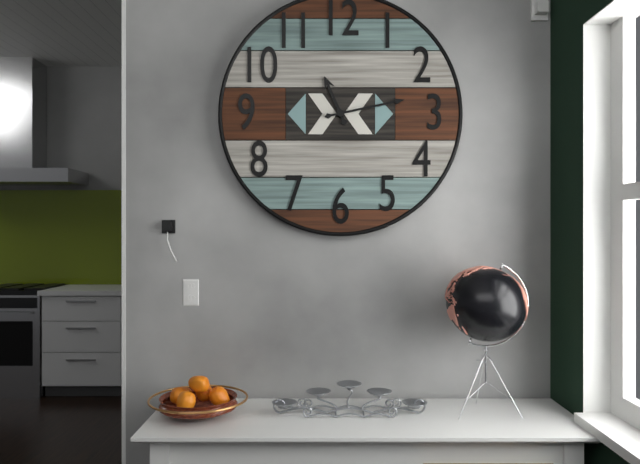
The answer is 11:13
